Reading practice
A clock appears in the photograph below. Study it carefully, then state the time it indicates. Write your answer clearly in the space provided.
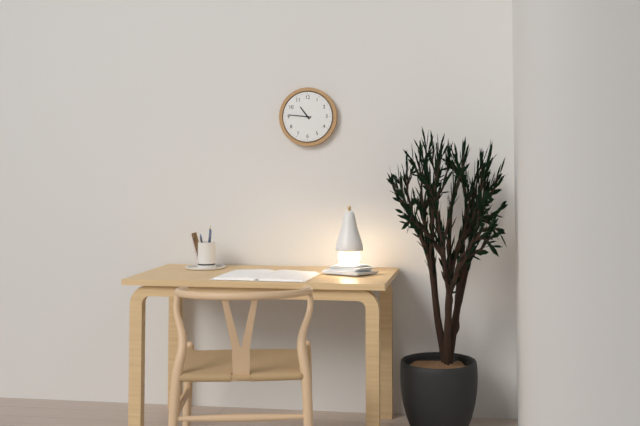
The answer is 10:46
